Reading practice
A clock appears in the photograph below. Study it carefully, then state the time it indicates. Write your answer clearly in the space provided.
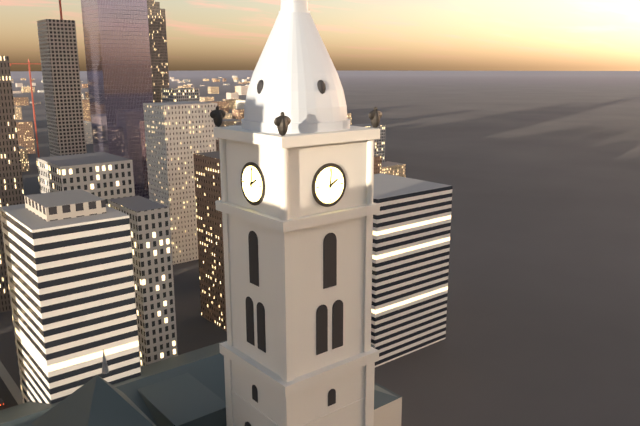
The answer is 2:01
